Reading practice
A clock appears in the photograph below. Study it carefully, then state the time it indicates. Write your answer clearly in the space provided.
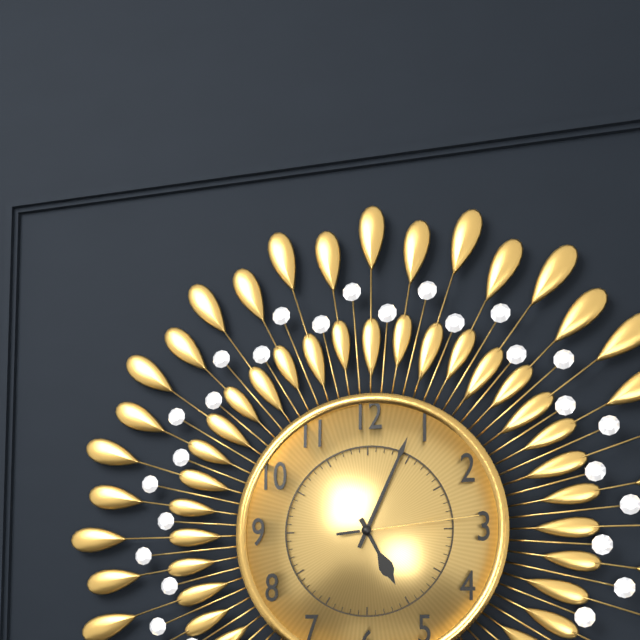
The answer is 5:04:14
